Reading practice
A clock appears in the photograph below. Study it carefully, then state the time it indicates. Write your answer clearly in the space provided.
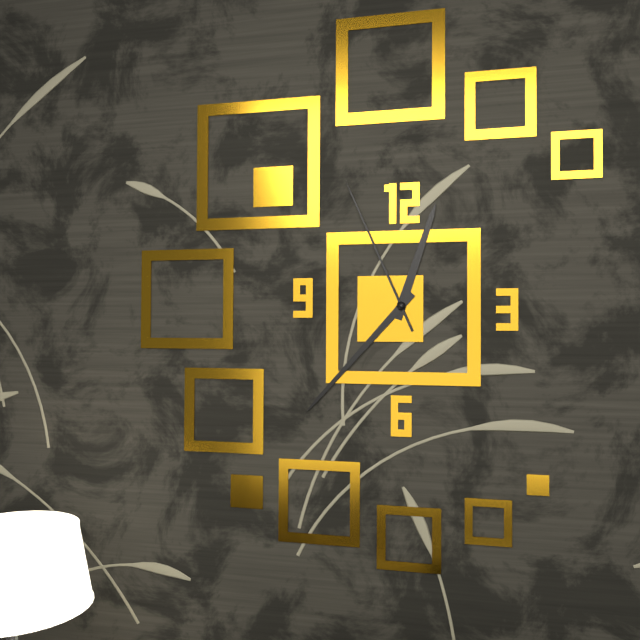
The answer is 12:37:56
